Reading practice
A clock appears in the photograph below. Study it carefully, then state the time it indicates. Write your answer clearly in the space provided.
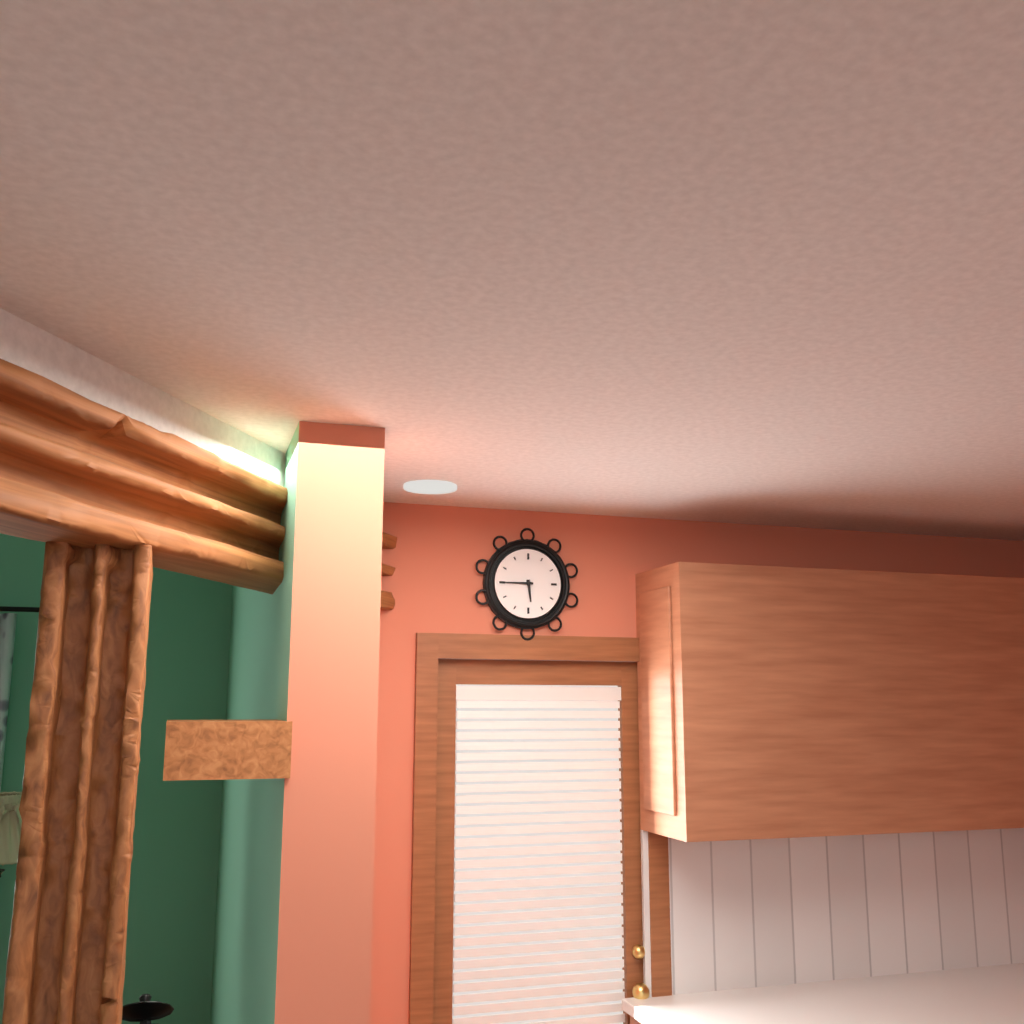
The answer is 5:45
